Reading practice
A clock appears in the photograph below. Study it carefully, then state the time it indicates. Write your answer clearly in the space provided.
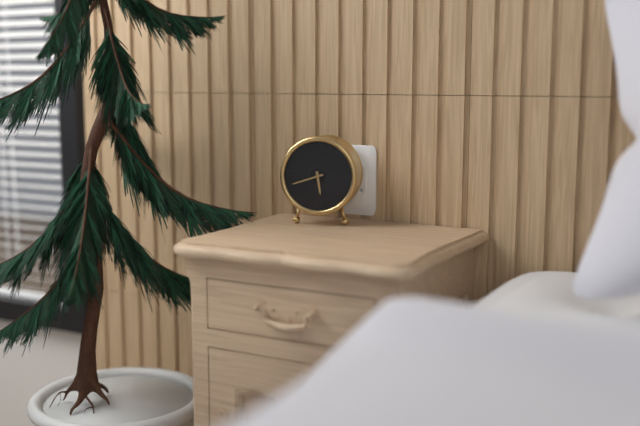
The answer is 5:42
